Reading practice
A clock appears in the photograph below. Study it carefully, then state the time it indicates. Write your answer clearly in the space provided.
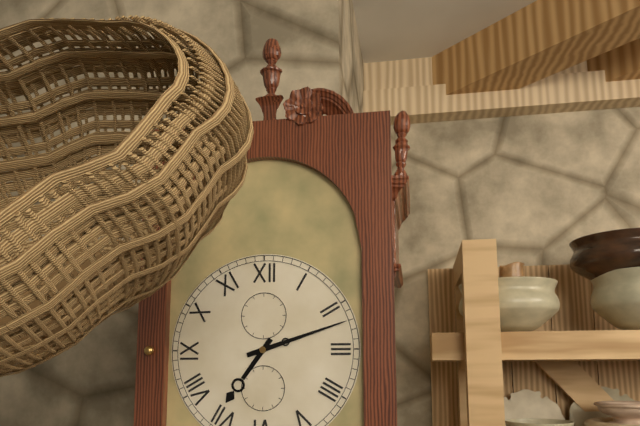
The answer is 7:12
